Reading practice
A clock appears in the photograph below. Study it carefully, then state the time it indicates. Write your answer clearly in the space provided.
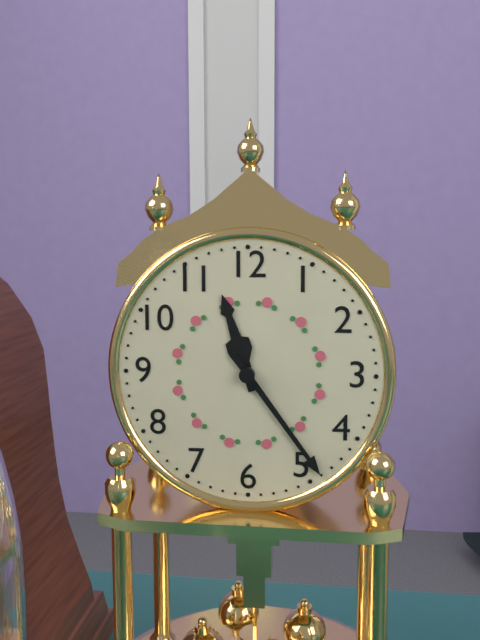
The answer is 11:24
